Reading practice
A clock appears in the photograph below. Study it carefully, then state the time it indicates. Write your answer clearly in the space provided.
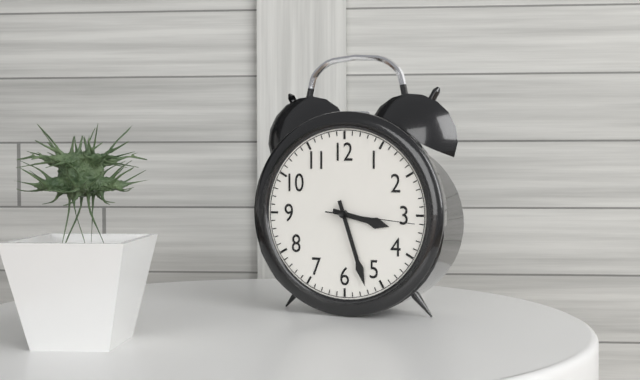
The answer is 3:27:16
